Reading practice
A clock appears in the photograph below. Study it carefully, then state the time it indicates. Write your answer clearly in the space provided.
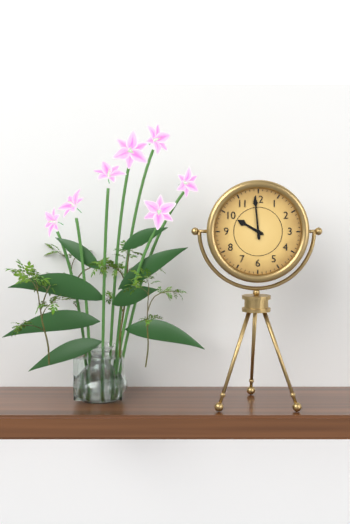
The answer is 9:59
